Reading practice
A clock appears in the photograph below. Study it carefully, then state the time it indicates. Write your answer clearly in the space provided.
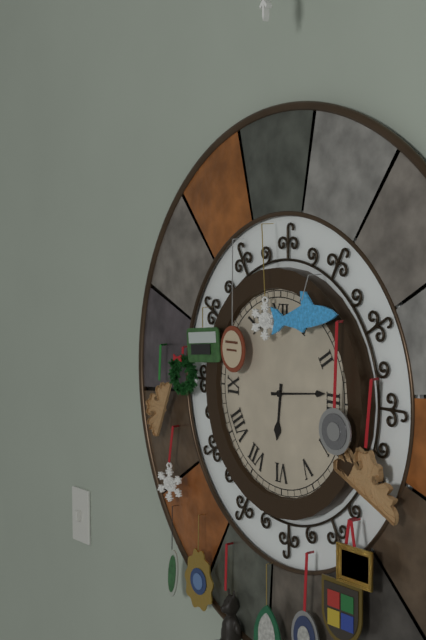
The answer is 6:14
